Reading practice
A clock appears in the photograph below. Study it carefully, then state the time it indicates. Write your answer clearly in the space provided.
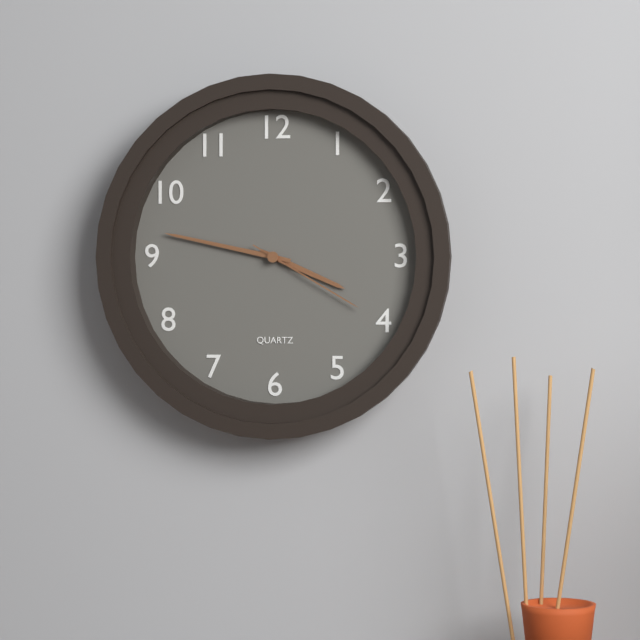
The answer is 3:47:20
